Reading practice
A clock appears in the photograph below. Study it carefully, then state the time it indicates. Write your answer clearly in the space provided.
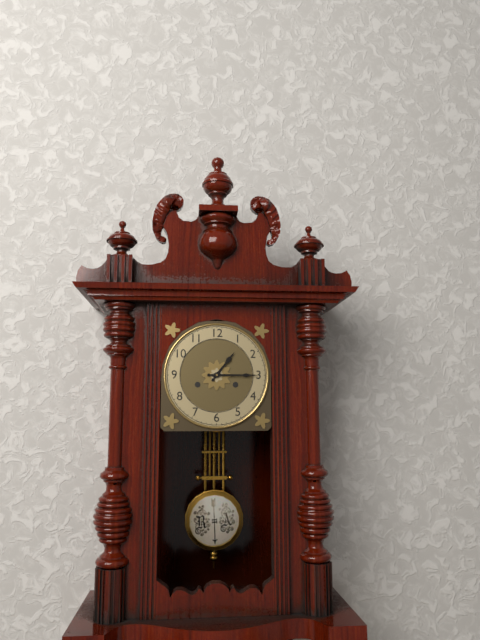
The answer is 1:15
